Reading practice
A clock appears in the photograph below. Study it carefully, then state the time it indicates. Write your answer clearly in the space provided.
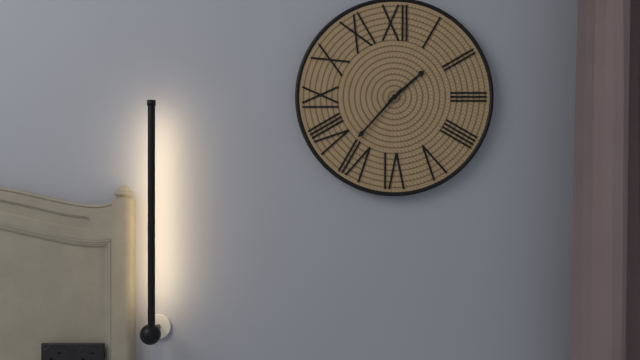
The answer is 1:37
